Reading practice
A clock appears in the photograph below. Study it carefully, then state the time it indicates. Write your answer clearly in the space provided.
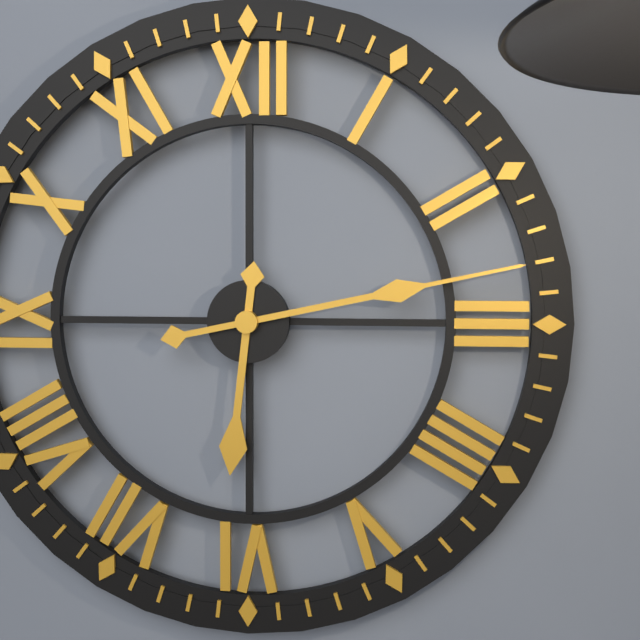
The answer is 6:13
